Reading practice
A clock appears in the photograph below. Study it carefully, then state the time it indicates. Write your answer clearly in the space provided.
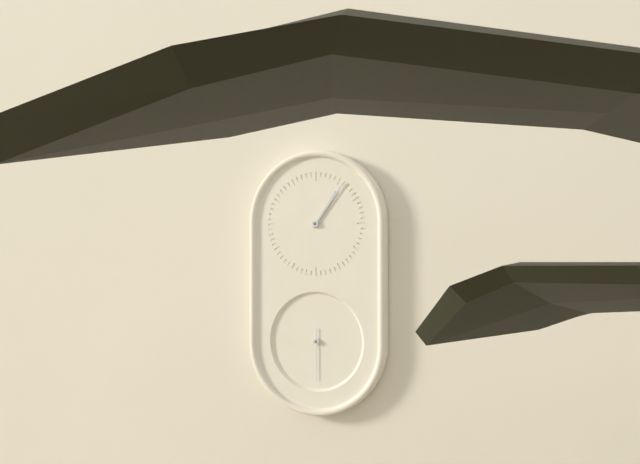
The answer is 1:06
